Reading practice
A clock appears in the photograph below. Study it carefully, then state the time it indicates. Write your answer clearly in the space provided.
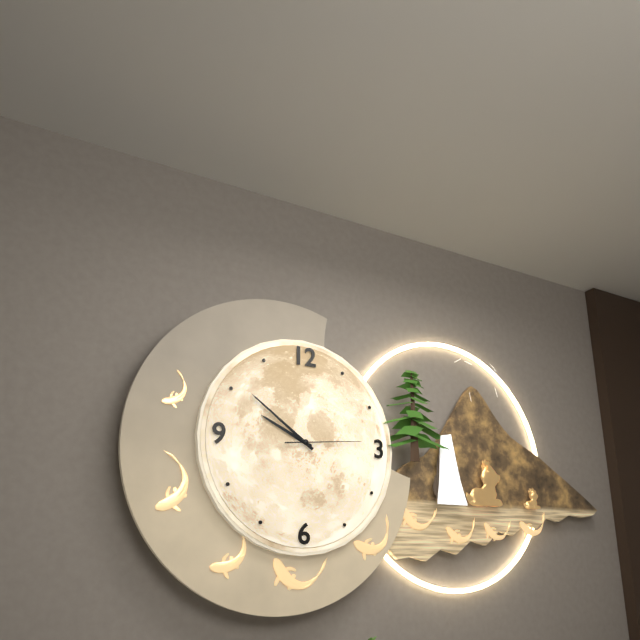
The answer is 9:51:14
